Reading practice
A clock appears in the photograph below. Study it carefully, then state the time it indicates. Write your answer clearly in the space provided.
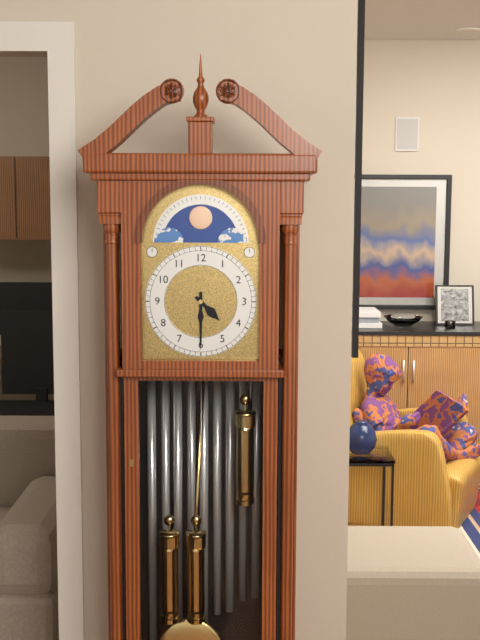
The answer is 4:30
